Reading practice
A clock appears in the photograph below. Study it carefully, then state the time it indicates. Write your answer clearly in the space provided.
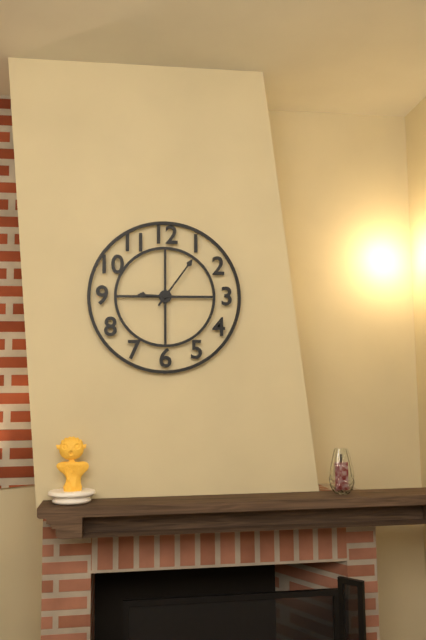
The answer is 9:06
